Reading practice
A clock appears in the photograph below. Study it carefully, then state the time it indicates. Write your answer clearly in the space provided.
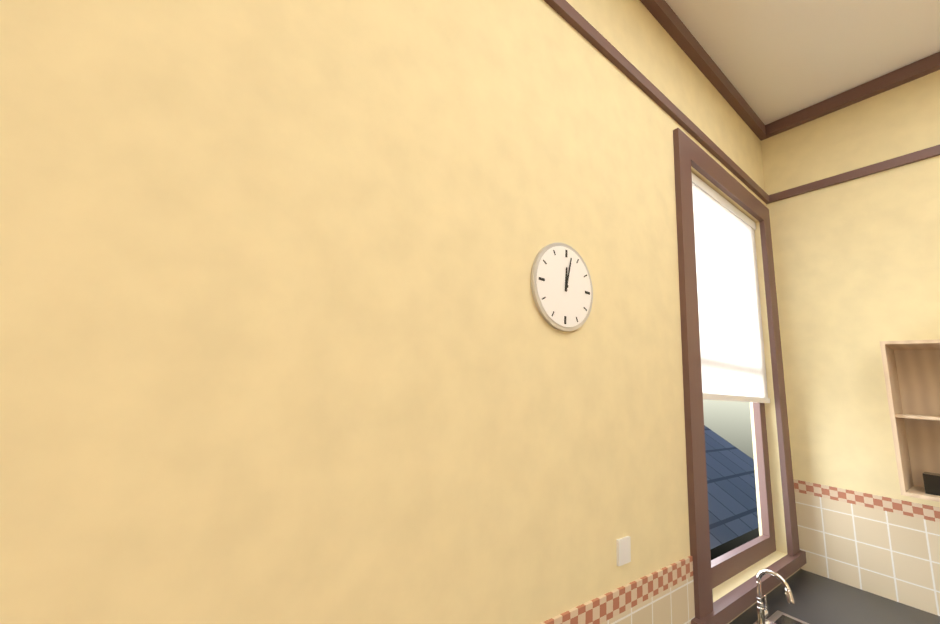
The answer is 12:02
